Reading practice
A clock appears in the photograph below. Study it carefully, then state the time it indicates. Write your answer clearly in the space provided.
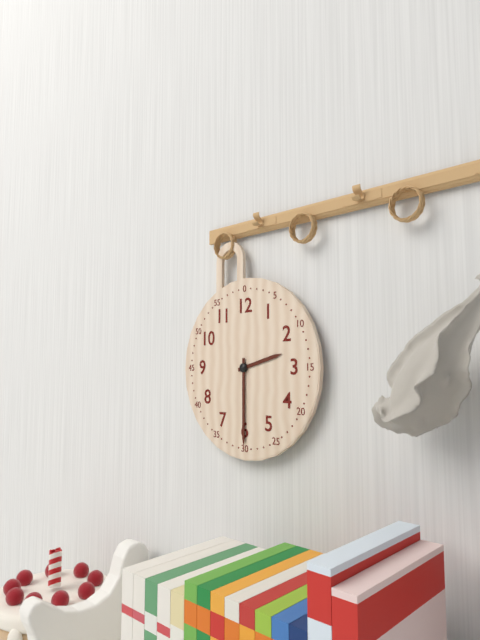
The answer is 2:30
